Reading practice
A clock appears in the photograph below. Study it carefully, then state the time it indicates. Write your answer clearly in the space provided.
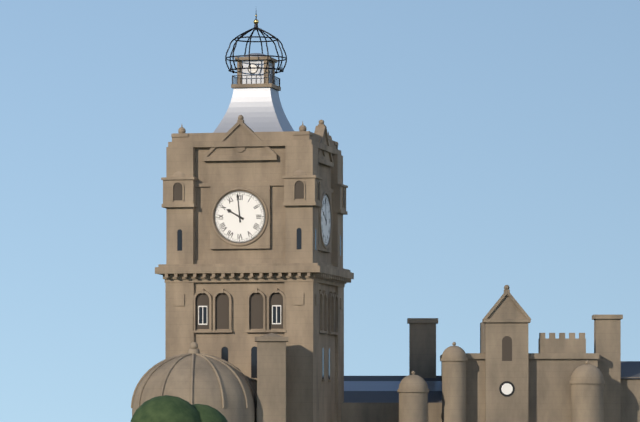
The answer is 9:59
